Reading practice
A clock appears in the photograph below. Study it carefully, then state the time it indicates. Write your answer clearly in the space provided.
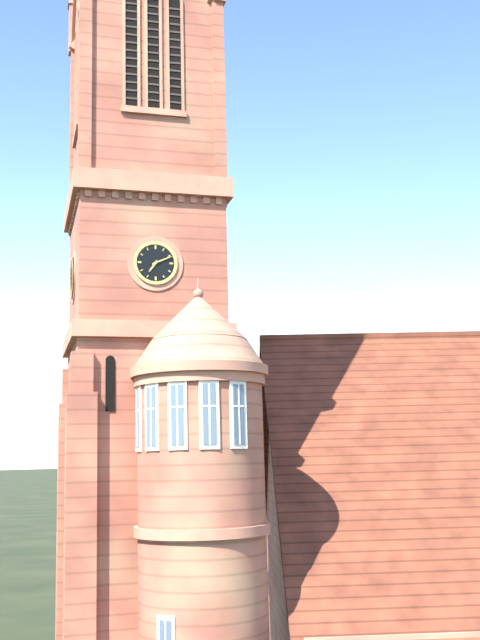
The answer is 7:11
